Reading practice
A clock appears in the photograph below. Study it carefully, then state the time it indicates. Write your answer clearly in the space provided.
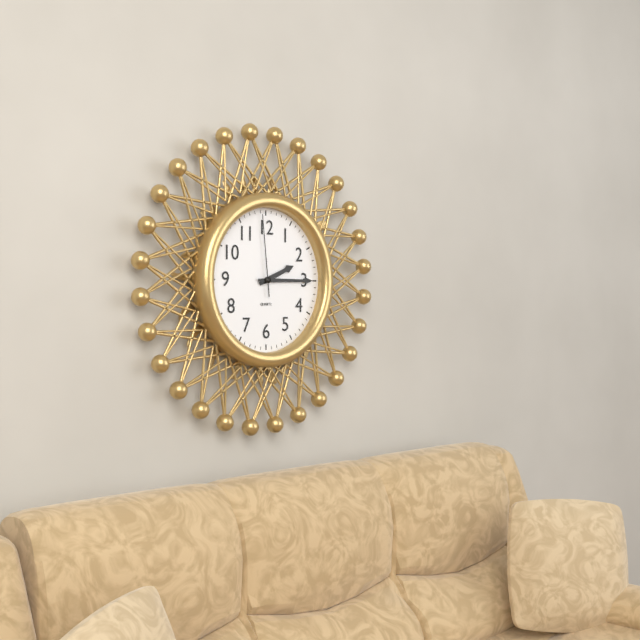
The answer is 2:15:59
